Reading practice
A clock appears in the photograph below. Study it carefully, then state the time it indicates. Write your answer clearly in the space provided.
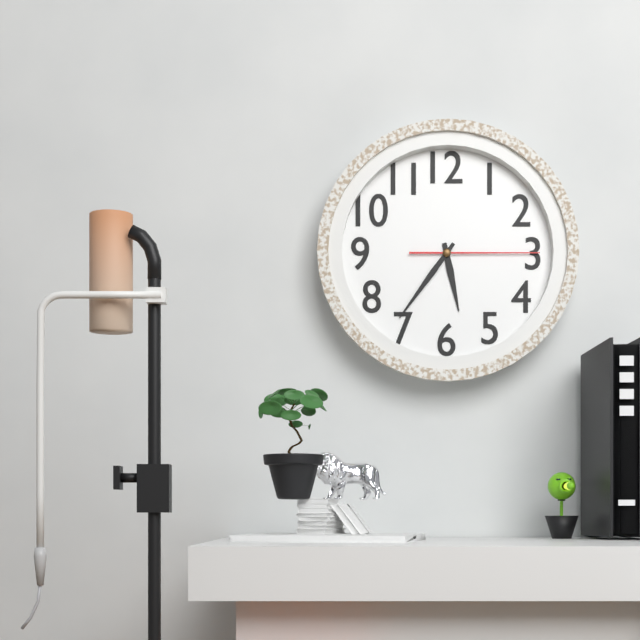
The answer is 5:36:15
